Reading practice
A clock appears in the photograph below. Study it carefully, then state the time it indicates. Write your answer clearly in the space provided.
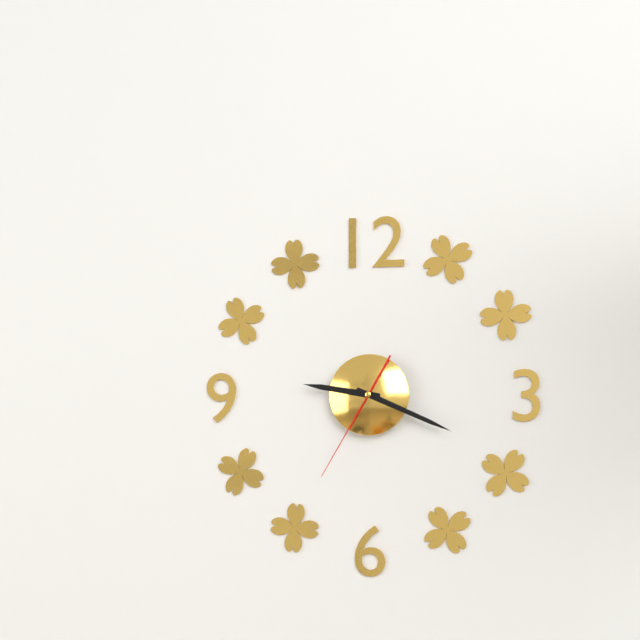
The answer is 9:19:35
